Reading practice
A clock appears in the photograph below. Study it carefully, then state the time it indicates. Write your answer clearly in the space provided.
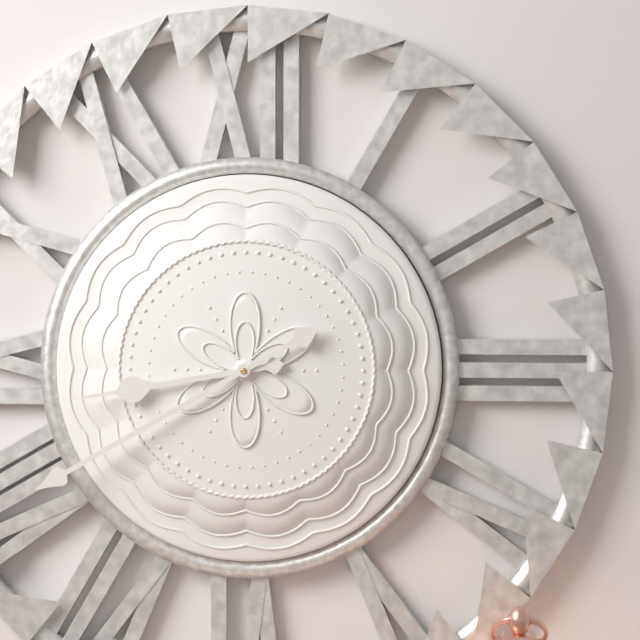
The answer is 8:40
